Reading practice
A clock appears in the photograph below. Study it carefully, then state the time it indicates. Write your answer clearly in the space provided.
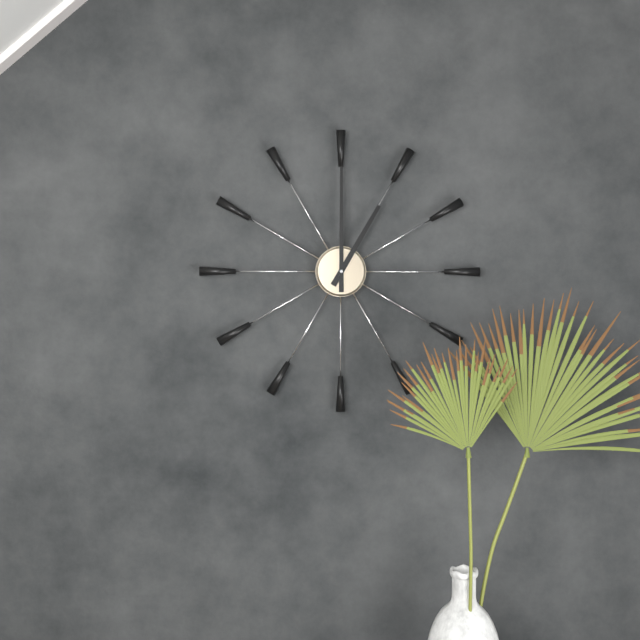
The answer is 1:00
